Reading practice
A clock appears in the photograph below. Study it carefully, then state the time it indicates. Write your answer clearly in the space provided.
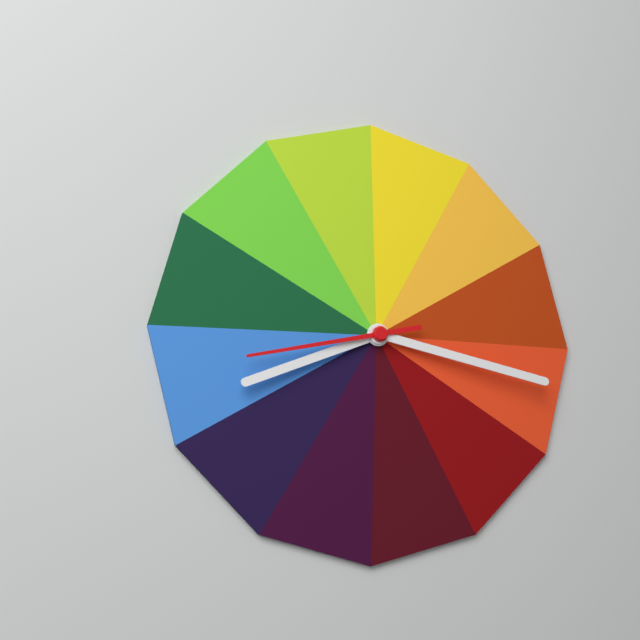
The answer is 8:17:43
